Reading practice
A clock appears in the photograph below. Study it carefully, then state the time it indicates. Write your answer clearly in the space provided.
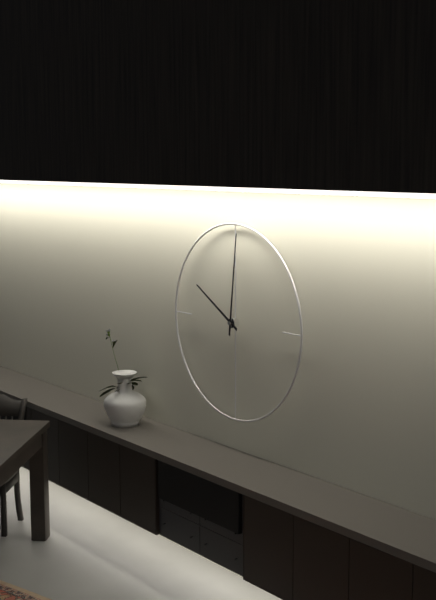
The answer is 10:01
